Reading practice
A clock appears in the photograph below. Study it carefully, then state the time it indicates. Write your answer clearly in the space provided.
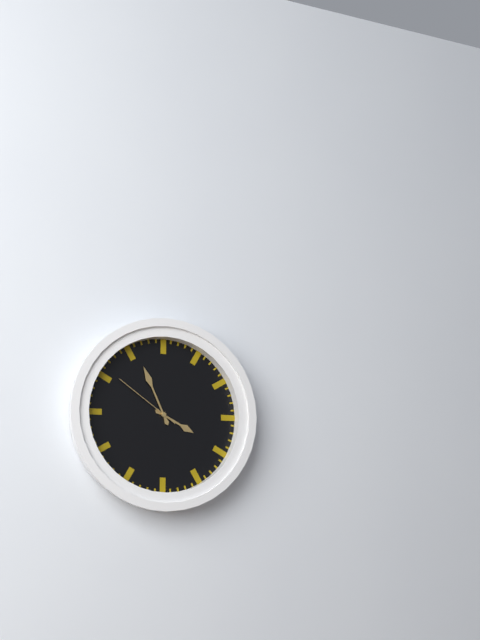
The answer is 3:56:51
